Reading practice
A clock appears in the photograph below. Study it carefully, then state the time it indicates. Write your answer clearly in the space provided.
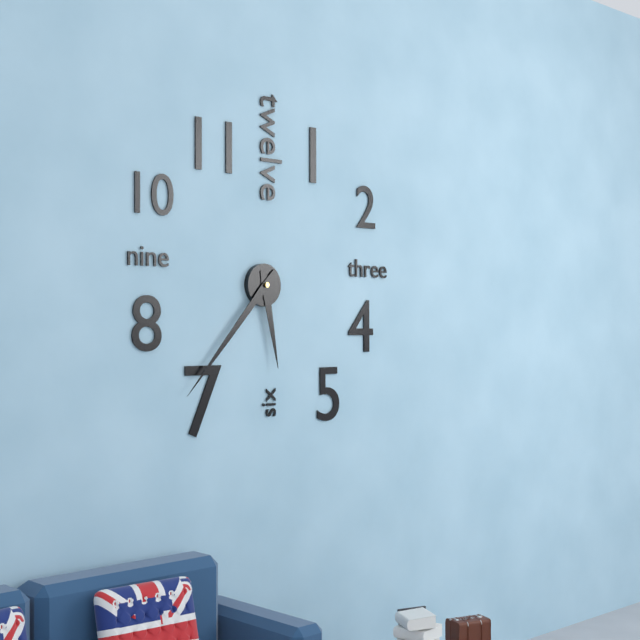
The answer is 5:37
